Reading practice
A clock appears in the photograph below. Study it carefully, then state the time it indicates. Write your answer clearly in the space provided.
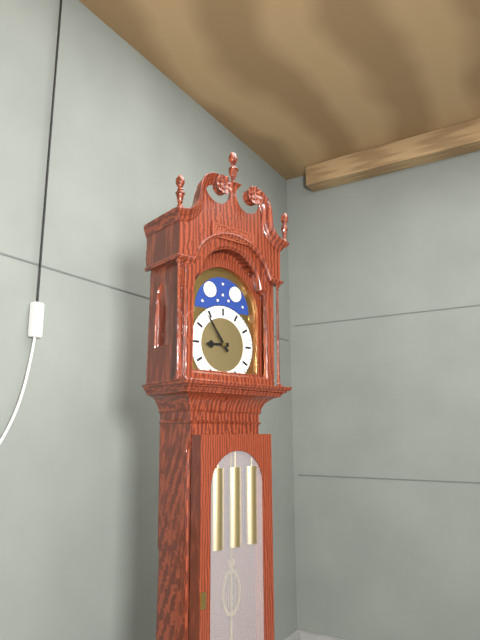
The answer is 8:54
